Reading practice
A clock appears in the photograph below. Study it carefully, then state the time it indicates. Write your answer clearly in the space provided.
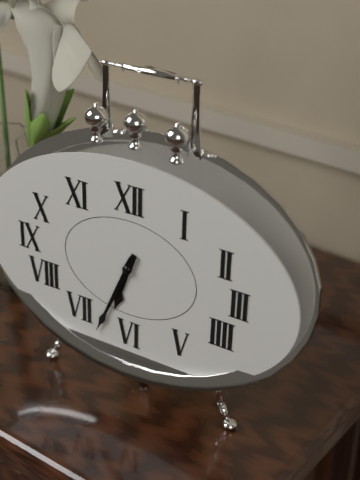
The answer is 6:34
